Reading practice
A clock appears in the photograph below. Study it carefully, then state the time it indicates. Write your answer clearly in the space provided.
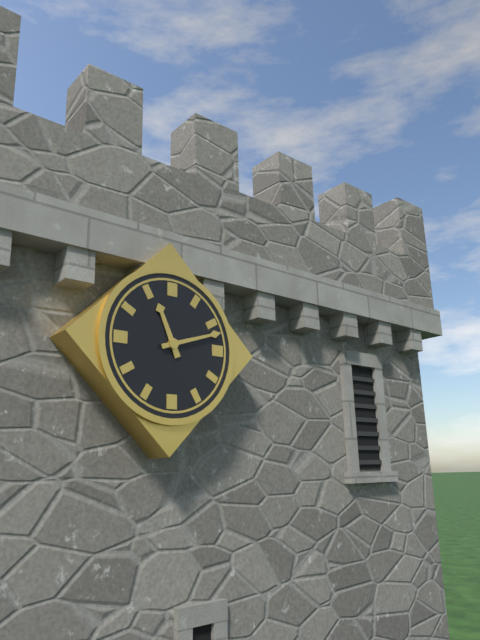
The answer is 11:12
